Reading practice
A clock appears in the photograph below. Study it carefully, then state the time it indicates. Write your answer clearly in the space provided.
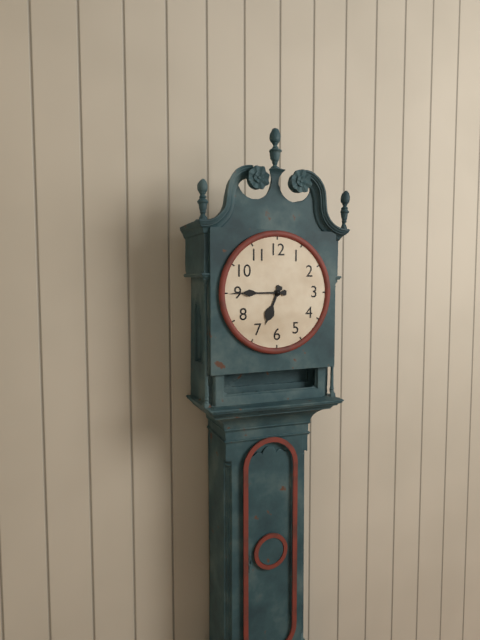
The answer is 6:45
